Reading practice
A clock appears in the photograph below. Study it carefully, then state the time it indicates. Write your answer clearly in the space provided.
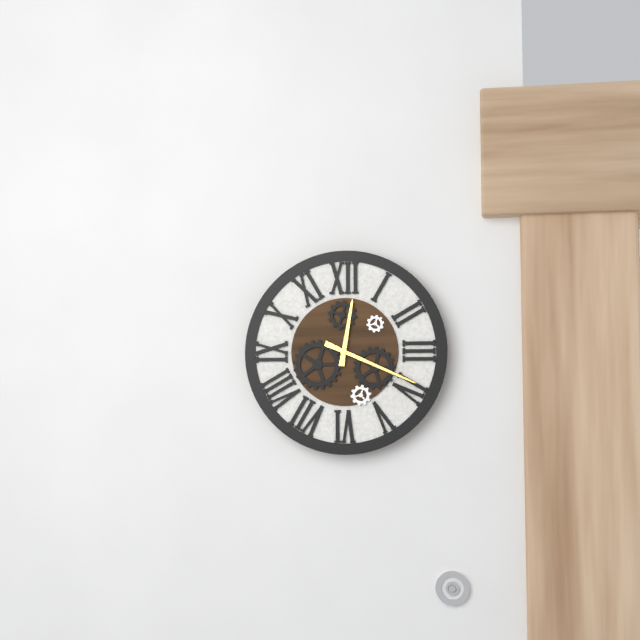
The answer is 12:19
